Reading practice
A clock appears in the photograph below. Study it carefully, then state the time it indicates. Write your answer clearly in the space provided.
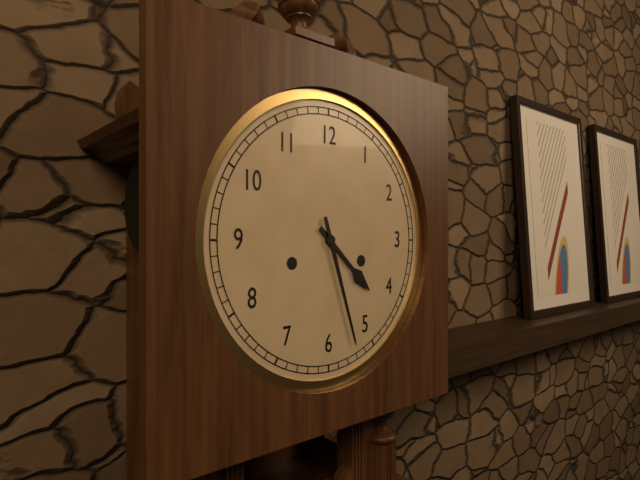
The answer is 4:27
